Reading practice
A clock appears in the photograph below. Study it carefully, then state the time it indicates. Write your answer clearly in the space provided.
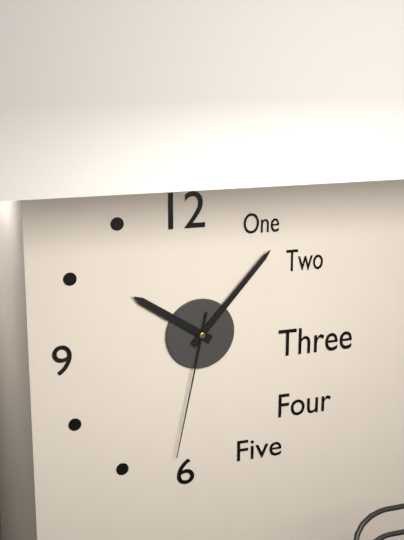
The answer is 10:07:32
